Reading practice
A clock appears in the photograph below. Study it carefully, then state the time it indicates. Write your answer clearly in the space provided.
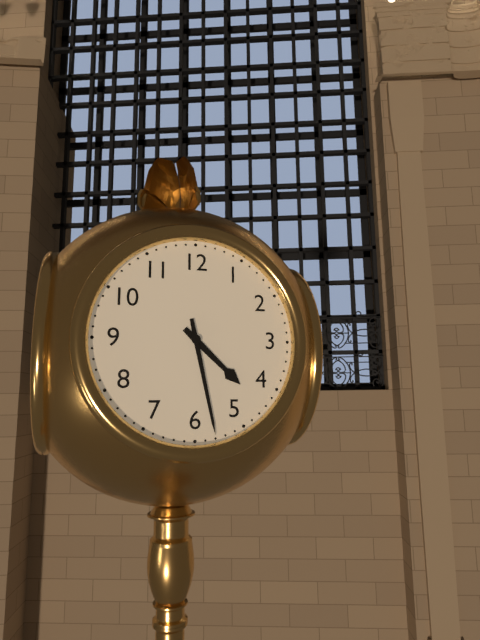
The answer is 4:28
